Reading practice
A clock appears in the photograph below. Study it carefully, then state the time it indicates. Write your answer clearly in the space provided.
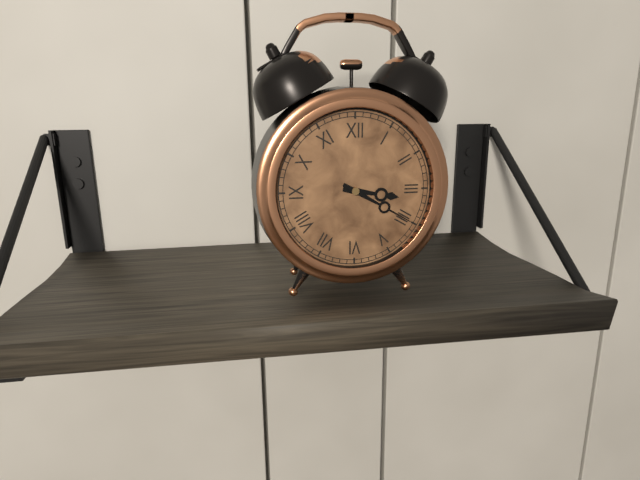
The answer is 3:20
